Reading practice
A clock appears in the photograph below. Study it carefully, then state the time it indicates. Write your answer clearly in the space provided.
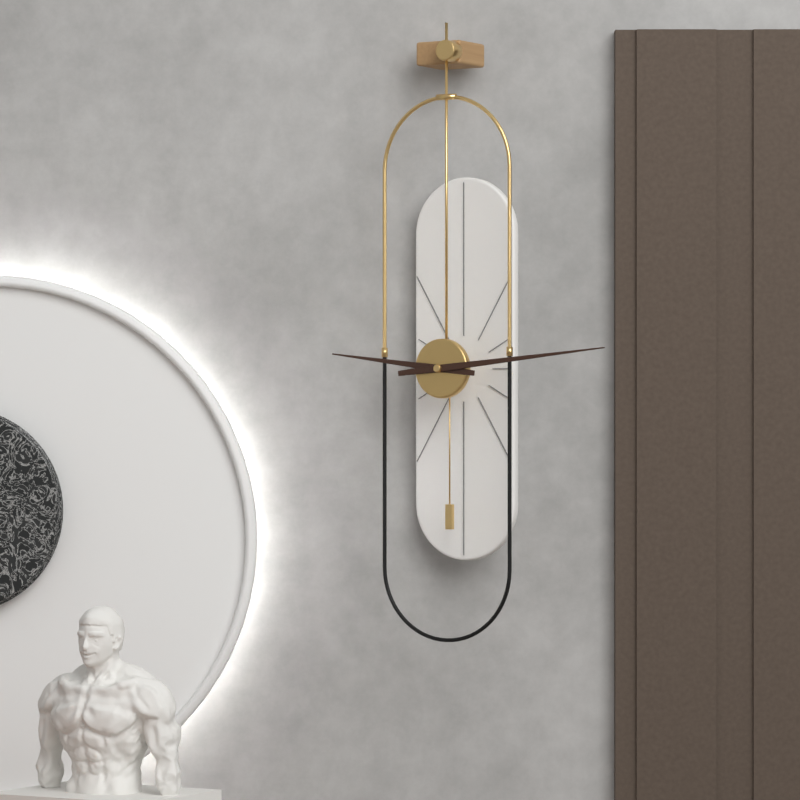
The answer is 9:14
